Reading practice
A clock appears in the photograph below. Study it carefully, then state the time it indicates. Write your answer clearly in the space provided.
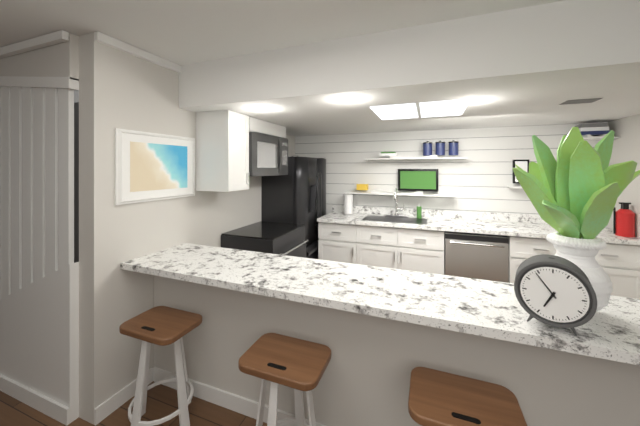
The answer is 6:54
